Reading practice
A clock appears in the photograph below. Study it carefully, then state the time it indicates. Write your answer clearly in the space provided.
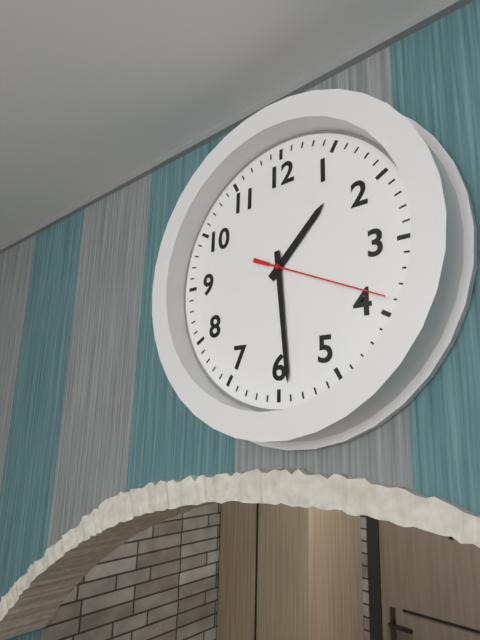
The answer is 1:29:19
